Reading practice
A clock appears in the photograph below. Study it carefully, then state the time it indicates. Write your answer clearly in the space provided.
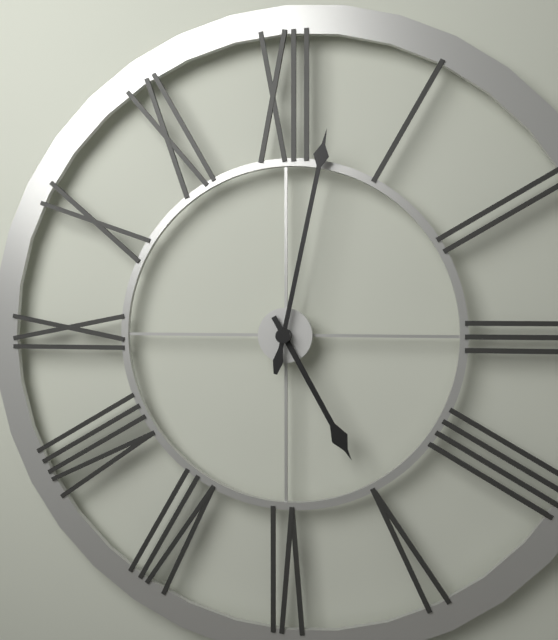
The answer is 5:02
